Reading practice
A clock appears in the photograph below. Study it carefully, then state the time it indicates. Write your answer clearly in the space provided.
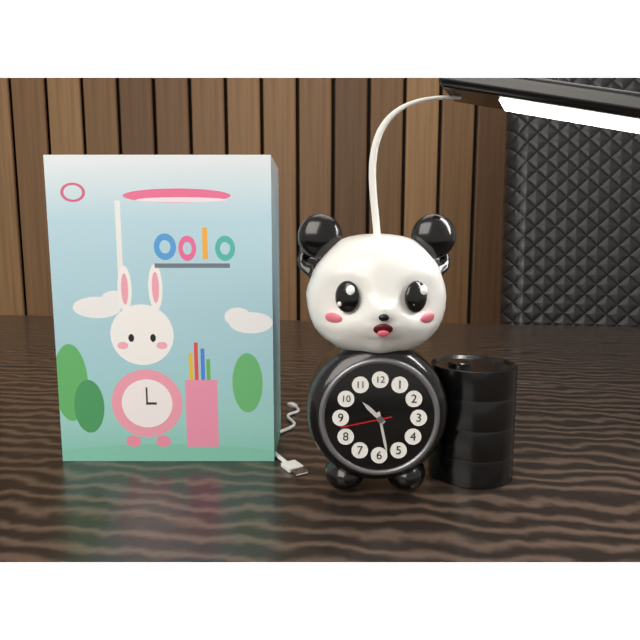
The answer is 10:28:43
